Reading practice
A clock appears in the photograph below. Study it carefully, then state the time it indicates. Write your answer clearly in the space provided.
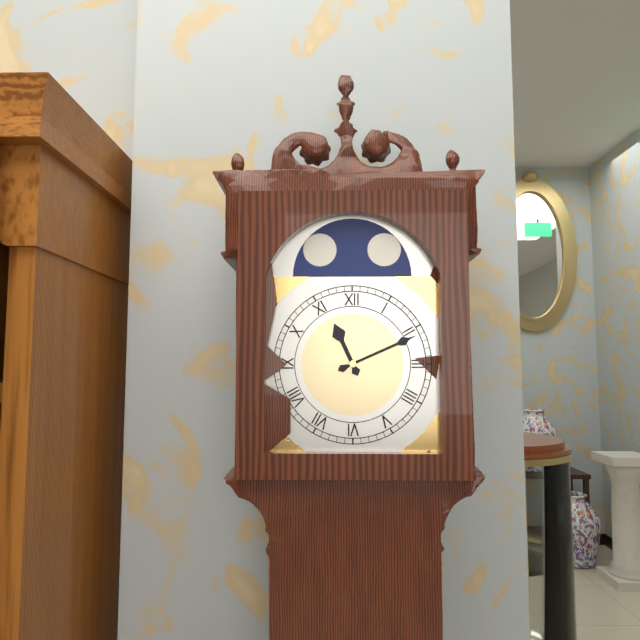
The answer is 11:11
